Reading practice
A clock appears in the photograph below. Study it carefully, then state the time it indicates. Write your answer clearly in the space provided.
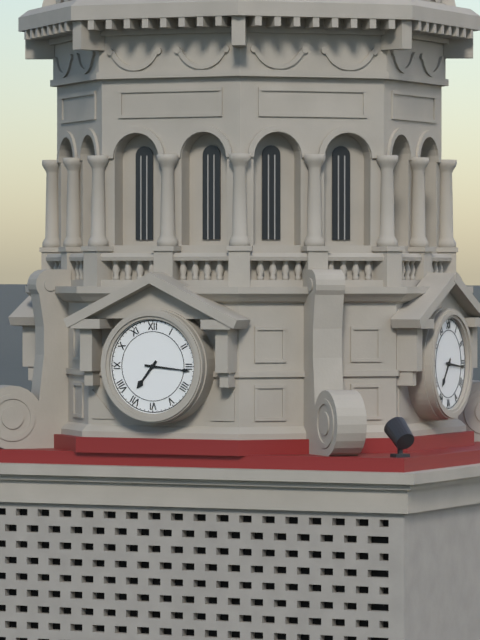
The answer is 7:16
